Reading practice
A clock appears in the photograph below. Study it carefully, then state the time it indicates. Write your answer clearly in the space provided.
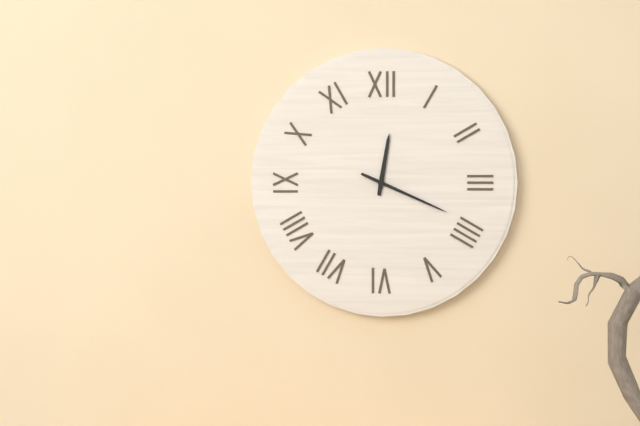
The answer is 12:19
